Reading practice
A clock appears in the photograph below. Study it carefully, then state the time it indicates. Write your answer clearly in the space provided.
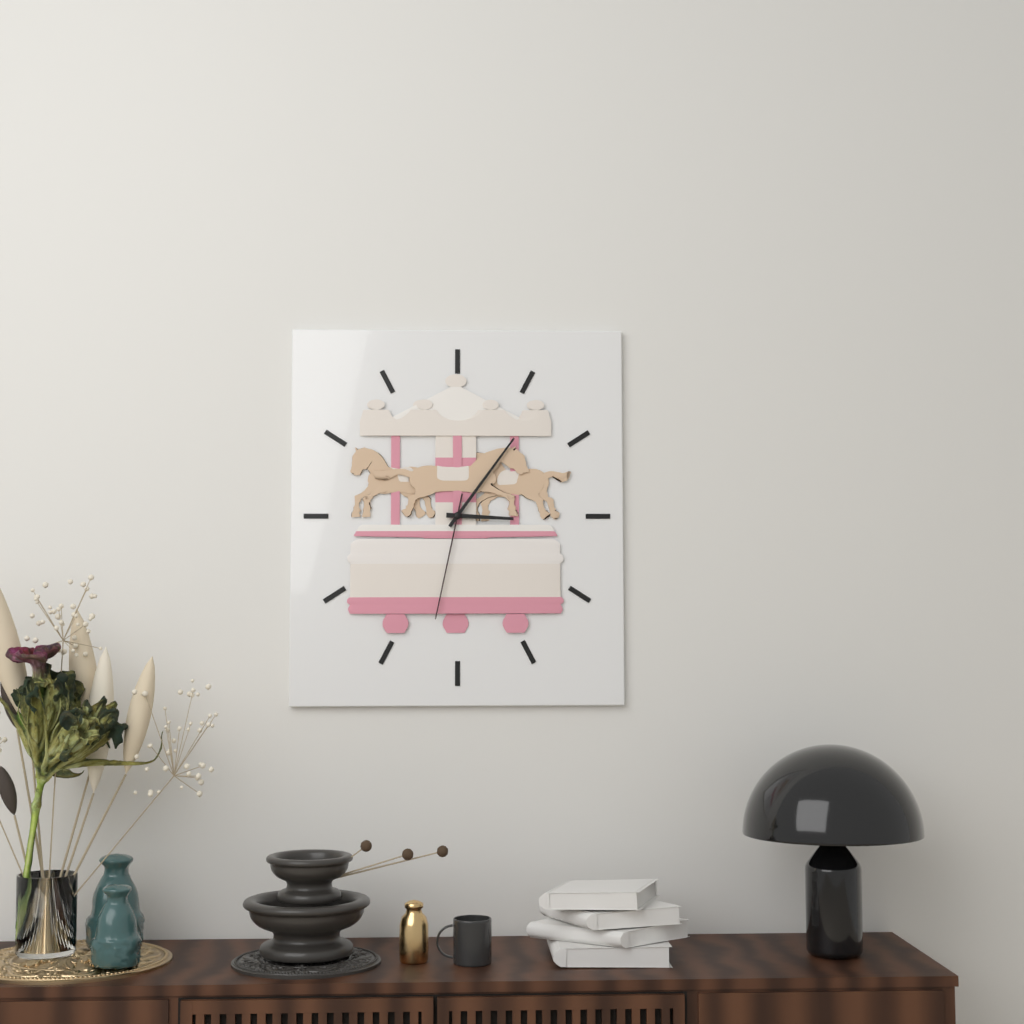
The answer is 3:06:32
